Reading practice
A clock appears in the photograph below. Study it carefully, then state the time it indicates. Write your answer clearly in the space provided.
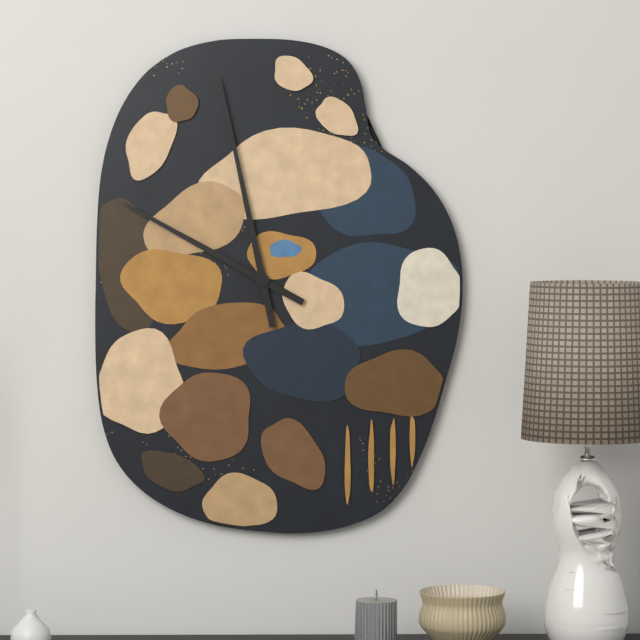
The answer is 9:58
